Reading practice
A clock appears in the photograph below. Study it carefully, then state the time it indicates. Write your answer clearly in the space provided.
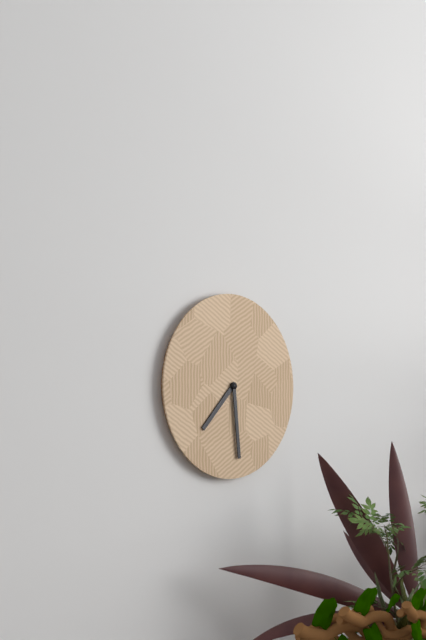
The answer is 7:29
